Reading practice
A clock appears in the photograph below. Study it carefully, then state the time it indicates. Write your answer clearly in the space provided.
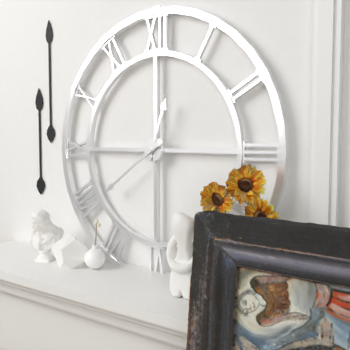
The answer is 12:39
